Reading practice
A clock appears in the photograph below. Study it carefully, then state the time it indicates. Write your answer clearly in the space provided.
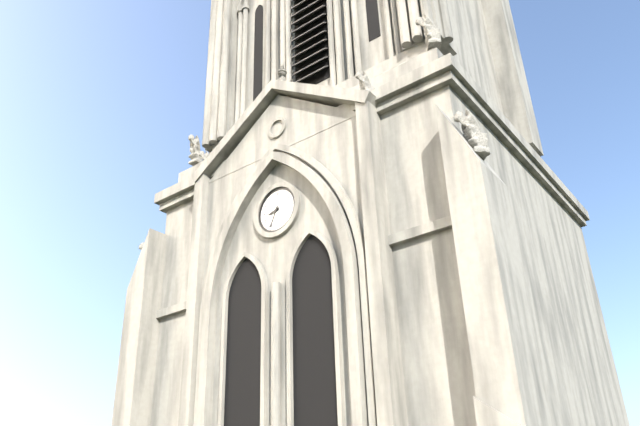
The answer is 8:34
